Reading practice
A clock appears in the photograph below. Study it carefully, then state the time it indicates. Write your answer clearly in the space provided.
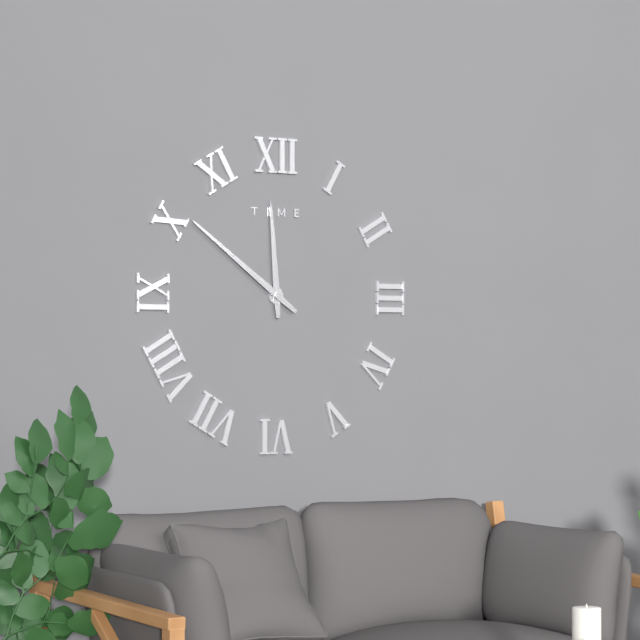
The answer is 11:51
